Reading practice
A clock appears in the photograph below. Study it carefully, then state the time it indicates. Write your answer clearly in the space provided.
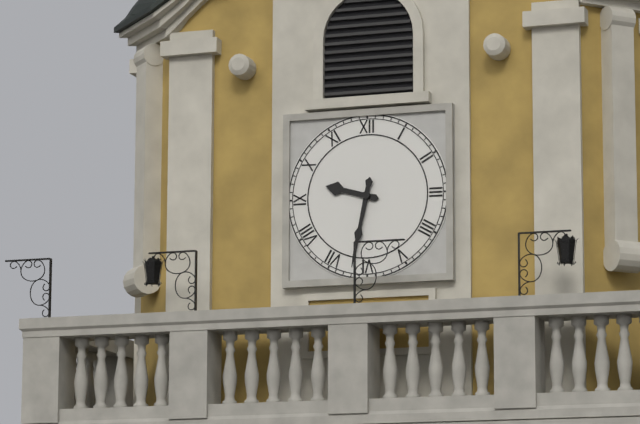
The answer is 9:32
